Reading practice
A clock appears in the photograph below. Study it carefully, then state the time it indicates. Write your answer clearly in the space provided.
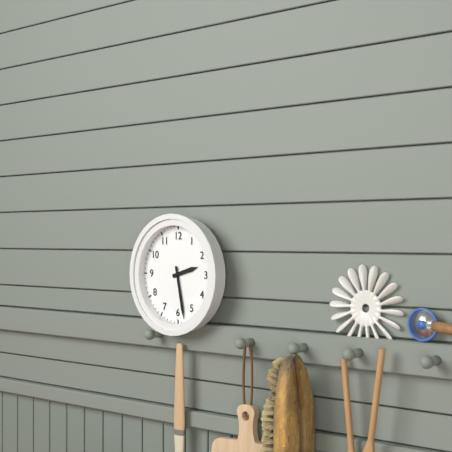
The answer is 2:28
